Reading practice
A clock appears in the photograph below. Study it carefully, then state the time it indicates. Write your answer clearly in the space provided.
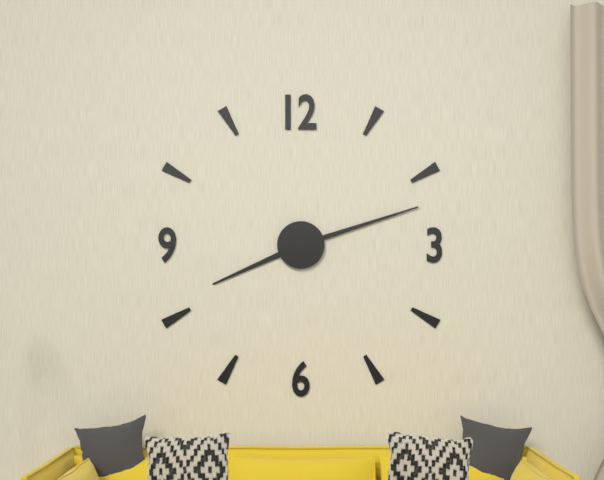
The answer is 8:12
